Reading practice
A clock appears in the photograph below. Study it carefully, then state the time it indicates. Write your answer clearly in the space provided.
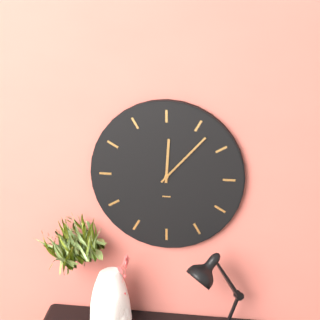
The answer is 12:07
